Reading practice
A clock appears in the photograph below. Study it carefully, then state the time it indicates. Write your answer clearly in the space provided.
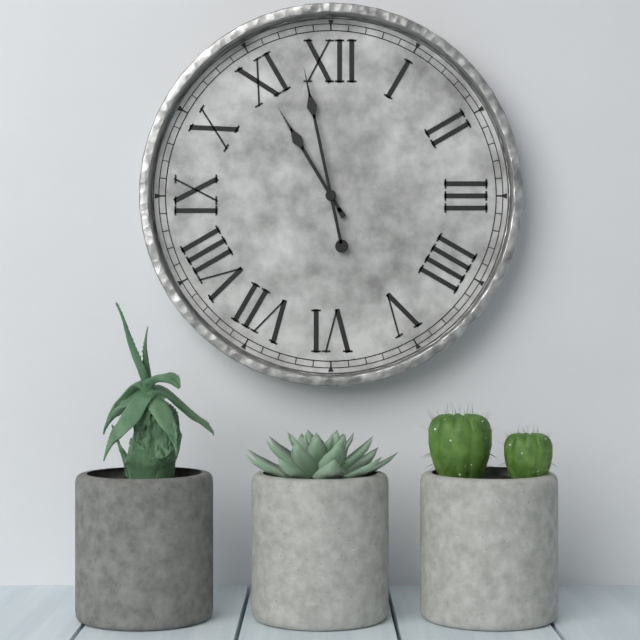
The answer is 10:58
